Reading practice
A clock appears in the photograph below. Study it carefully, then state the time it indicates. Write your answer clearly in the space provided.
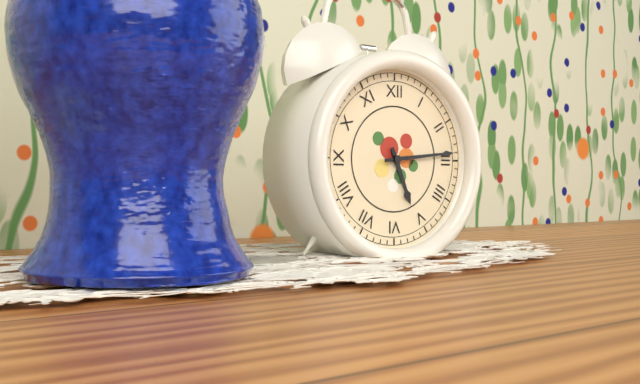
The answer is 5:14
